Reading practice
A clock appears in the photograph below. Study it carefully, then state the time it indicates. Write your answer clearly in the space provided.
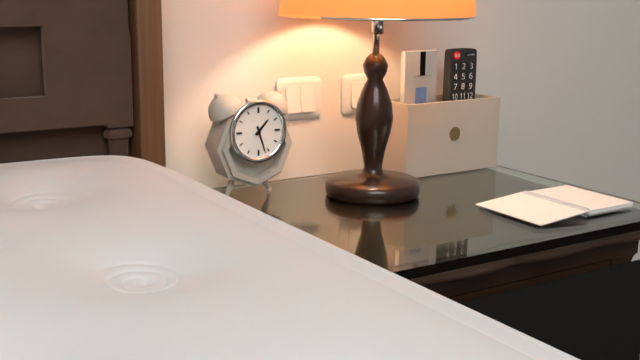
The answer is 1:27
